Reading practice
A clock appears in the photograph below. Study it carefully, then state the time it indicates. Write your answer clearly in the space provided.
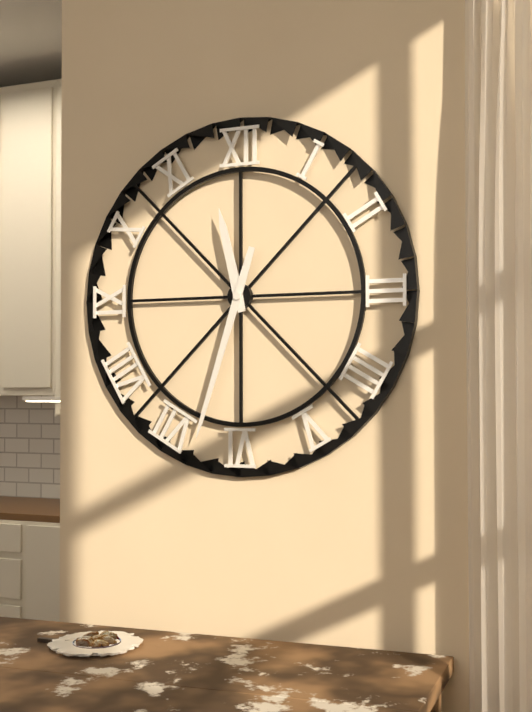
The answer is 11:33
